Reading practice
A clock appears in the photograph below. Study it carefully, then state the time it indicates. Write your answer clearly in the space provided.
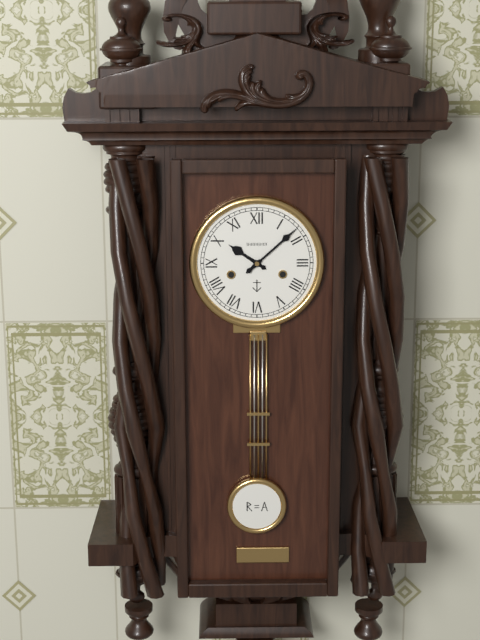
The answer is 10:08
